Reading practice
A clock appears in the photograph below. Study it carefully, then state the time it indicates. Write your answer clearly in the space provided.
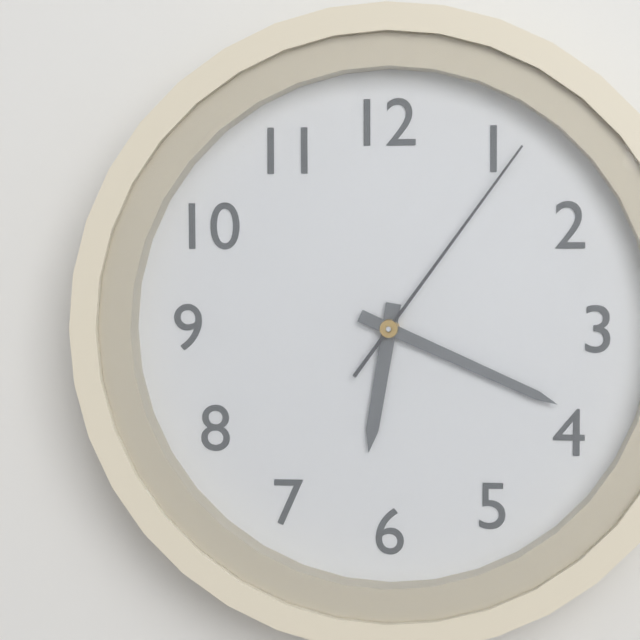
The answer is 6:19:06
